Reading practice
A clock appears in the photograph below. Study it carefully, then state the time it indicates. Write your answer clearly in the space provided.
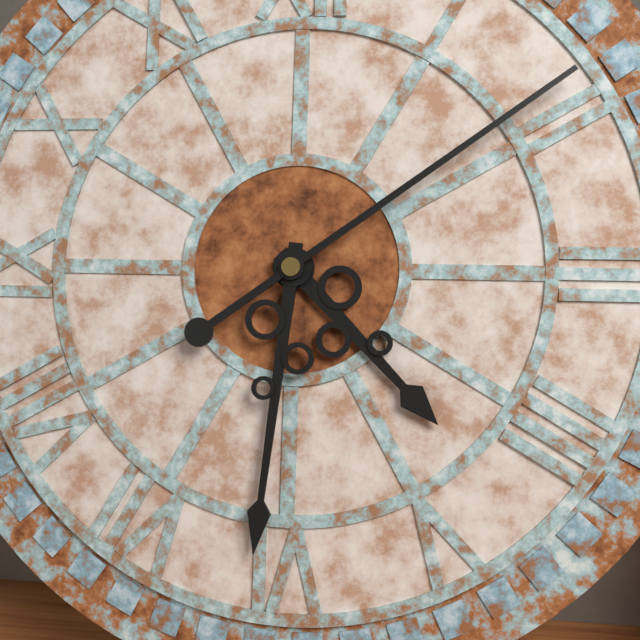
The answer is 4:31:09
